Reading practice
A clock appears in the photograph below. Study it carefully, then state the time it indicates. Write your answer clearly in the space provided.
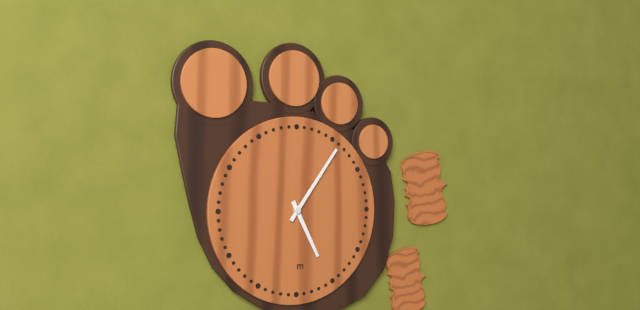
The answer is 5:06
